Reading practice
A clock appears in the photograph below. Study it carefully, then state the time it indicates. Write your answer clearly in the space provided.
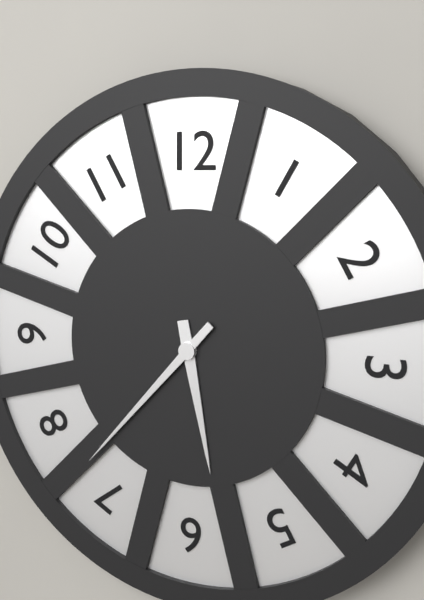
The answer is 5:37
